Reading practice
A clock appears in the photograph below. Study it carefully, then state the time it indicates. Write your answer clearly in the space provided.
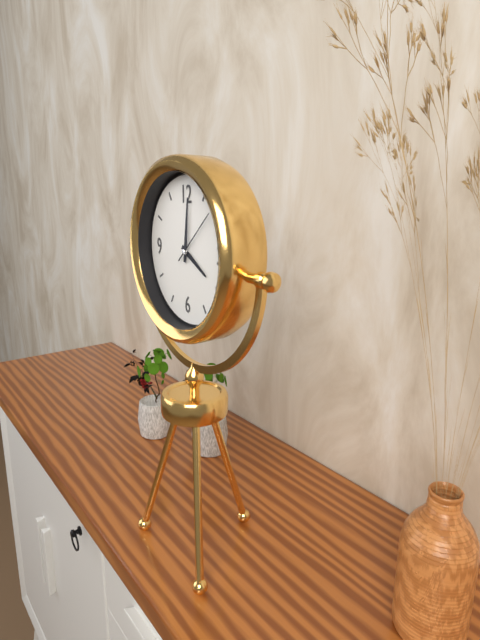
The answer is 4:01:08
